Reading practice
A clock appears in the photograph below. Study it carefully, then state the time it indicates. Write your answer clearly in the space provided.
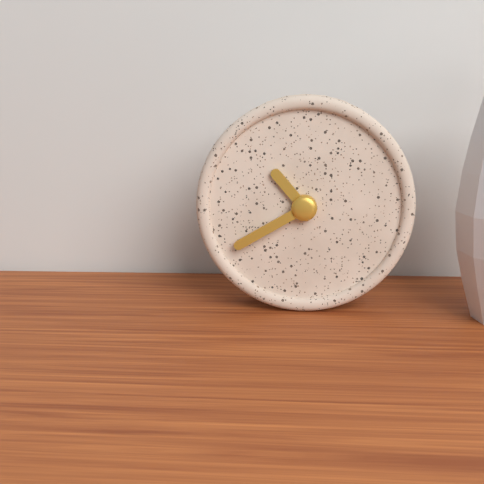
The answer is 10:40
